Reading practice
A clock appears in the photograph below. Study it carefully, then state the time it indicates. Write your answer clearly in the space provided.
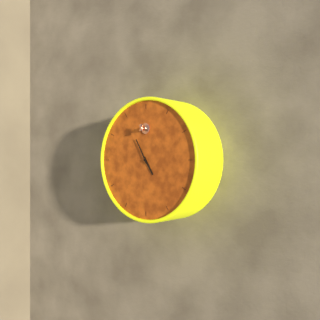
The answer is 4:55
